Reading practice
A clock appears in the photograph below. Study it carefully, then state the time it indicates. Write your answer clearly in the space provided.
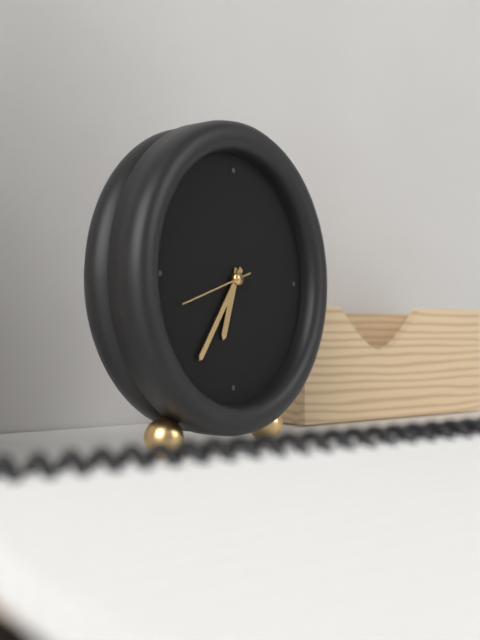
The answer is 6:36:42
